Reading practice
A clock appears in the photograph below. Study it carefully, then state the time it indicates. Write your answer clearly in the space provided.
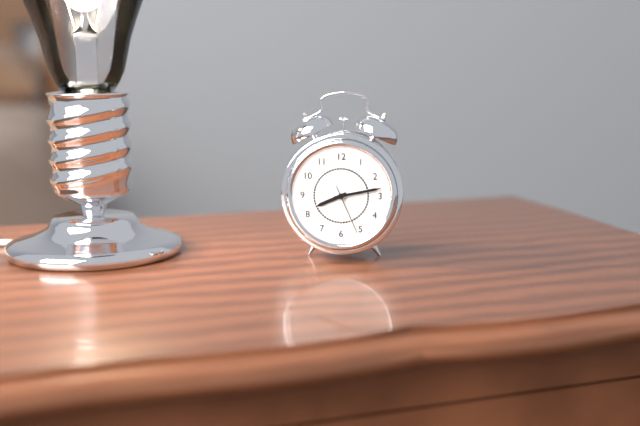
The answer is 8:13:26
